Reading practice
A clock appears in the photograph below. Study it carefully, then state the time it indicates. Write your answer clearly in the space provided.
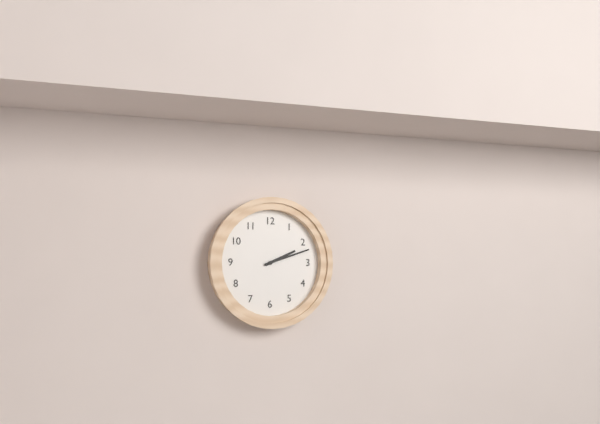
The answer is 2:12
